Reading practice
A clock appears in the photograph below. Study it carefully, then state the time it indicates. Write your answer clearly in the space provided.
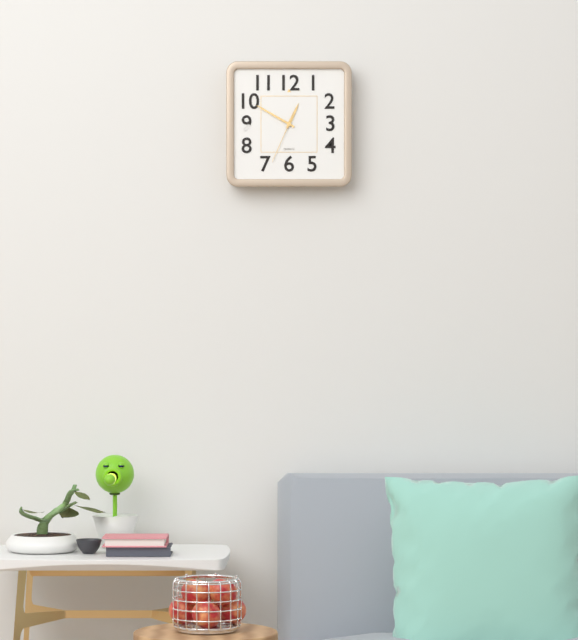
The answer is 12:50:34
